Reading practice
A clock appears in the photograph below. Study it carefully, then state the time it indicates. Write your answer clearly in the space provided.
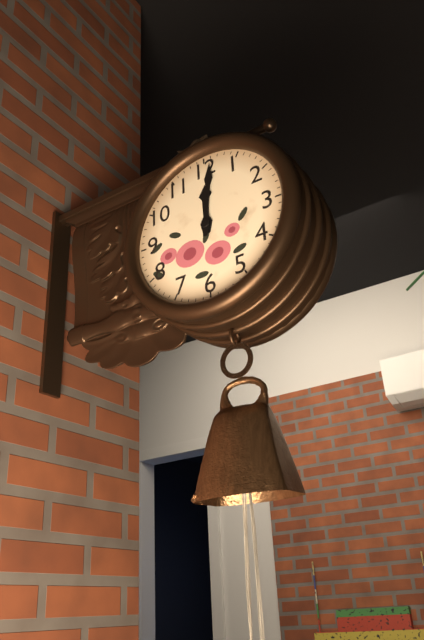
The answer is 12:01
